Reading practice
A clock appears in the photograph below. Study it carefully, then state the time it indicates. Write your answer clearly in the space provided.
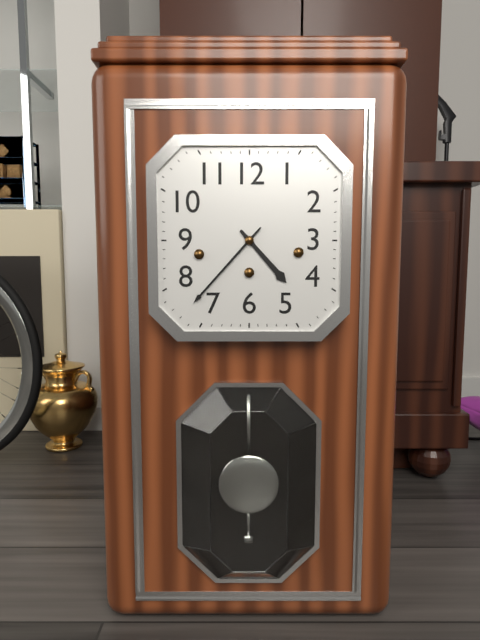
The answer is 4:37
